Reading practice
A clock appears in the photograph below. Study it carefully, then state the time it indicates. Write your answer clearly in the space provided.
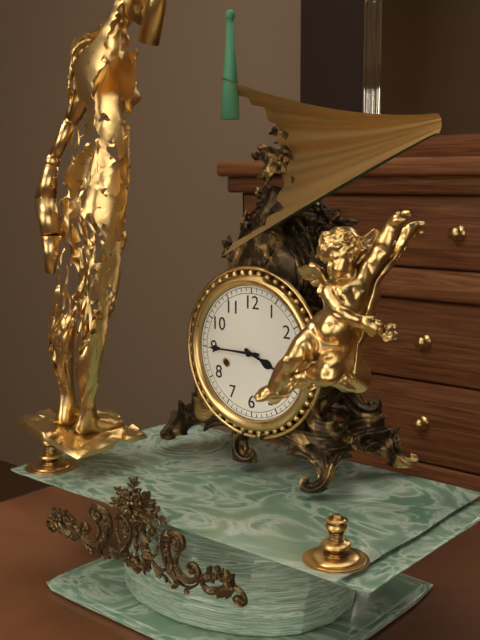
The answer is 3:45
